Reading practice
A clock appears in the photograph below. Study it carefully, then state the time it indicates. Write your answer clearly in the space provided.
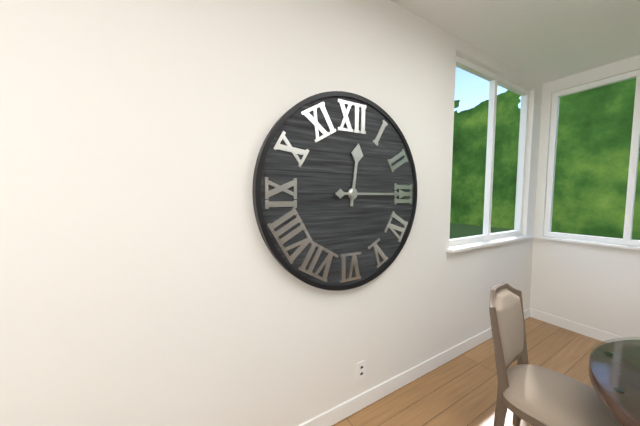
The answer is 12:15
